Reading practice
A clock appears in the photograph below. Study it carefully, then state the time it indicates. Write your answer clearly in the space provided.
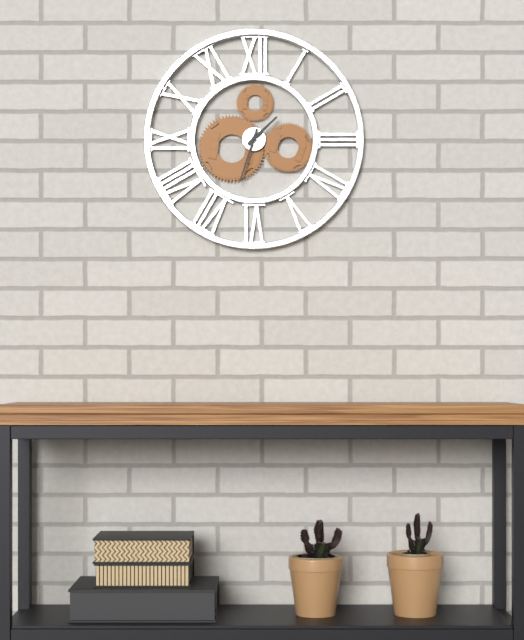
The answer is 1:33
